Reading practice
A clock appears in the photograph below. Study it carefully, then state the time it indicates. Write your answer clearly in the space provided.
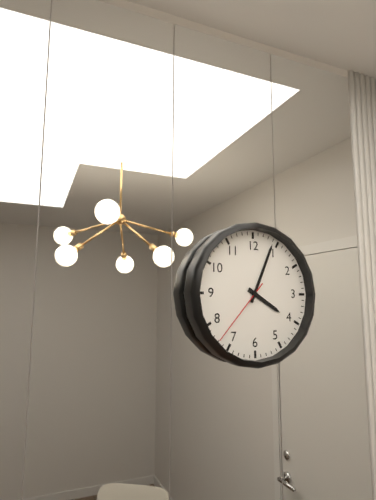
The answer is 4:04:37
